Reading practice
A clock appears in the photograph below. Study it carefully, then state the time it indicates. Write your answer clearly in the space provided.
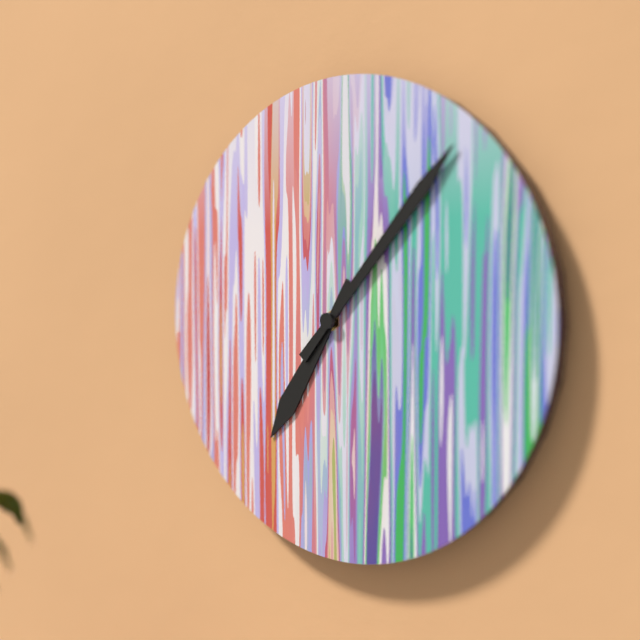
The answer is 7:07
